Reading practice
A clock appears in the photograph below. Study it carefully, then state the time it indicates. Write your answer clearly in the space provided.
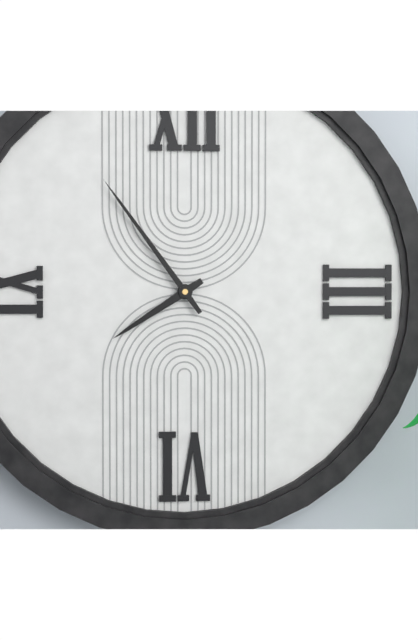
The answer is 7:54
